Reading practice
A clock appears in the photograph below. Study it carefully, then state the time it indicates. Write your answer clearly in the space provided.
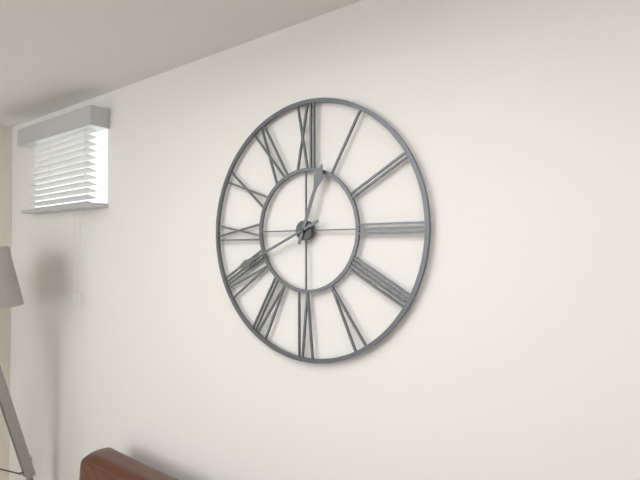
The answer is 12:41
